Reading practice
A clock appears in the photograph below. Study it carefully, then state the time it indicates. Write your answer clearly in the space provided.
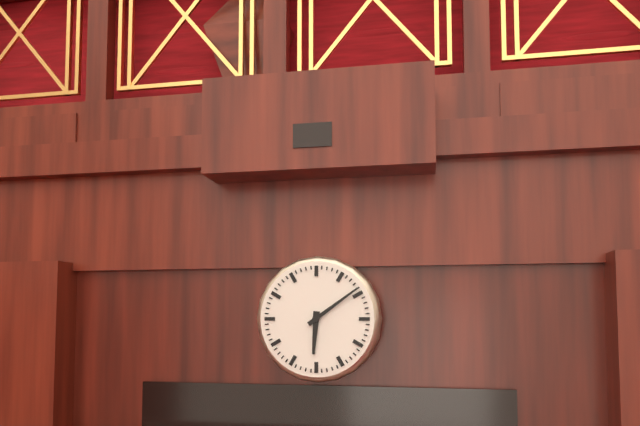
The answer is 6:09
